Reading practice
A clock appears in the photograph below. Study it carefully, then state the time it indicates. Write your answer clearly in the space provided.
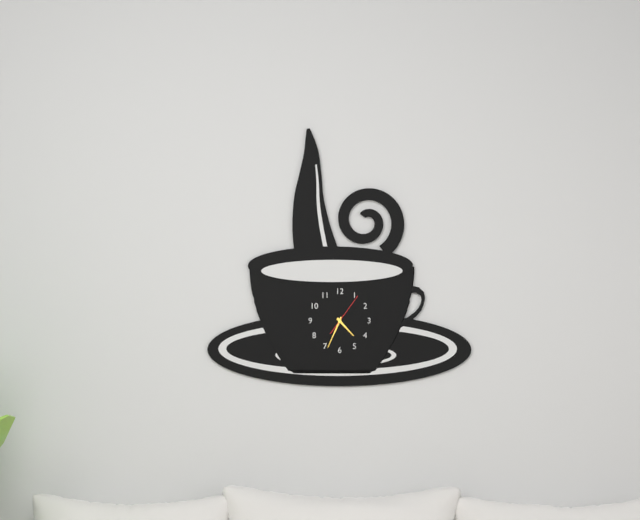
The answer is 4:34
